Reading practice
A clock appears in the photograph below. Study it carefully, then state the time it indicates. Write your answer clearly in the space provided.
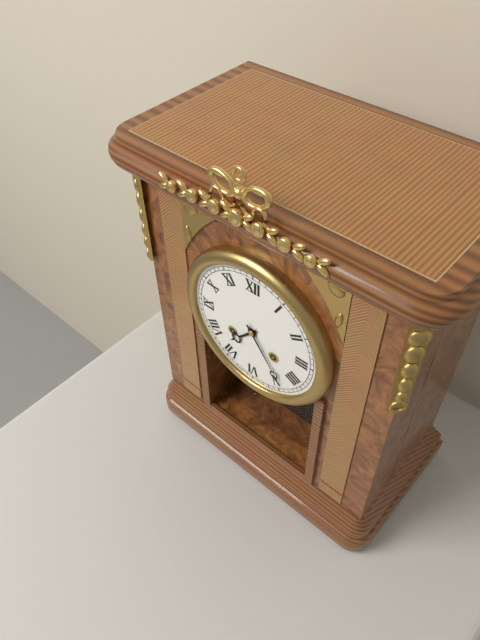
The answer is 7:24
